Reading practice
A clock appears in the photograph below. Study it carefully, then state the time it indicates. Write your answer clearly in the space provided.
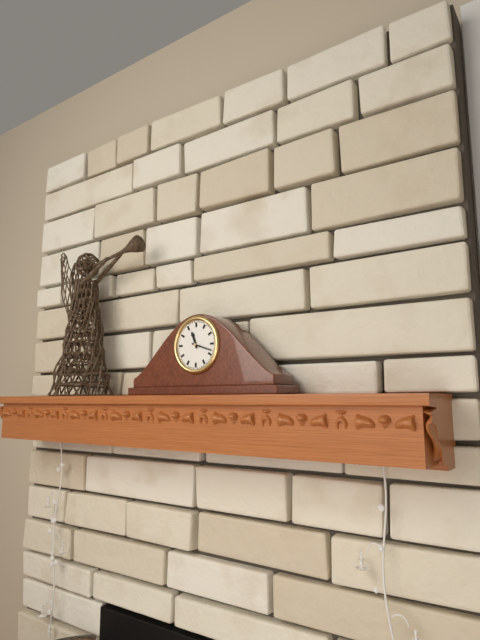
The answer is 11:18
